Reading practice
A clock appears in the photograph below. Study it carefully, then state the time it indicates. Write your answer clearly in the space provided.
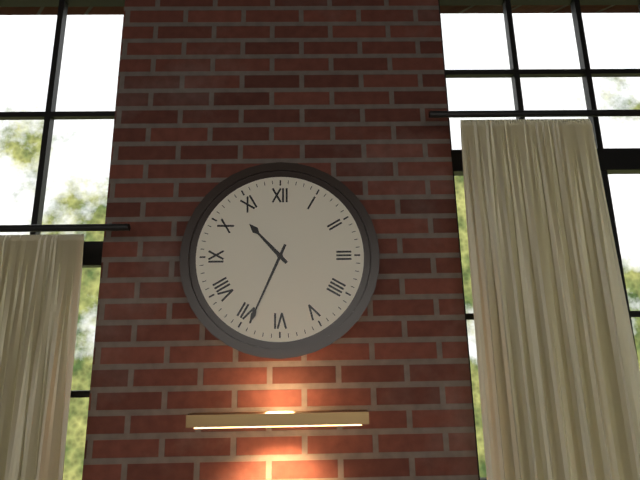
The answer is 10:34
